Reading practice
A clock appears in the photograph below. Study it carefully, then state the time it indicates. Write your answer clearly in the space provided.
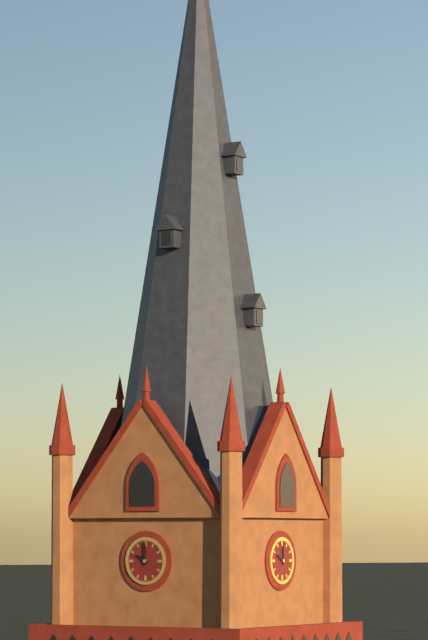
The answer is 10:00
